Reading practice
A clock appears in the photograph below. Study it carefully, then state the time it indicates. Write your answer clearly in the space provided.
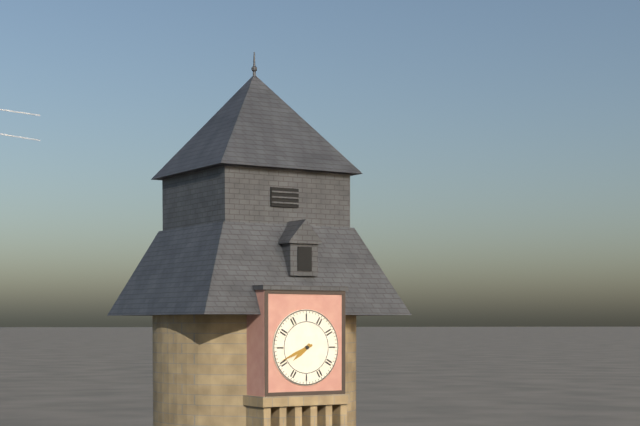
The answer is 7:41
